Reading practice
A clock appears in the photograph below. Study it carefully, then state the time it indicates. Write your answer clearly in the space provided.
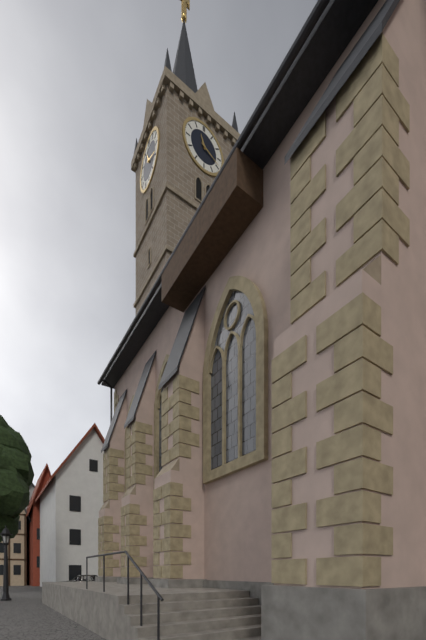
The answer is 11:19
